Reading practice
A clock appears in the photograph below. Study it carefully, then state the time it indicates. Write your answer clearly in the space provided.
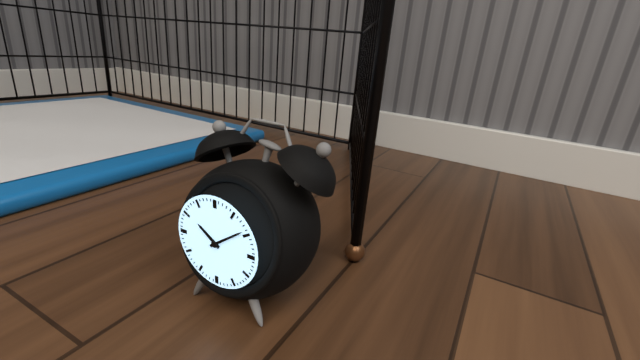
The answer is 10:09
